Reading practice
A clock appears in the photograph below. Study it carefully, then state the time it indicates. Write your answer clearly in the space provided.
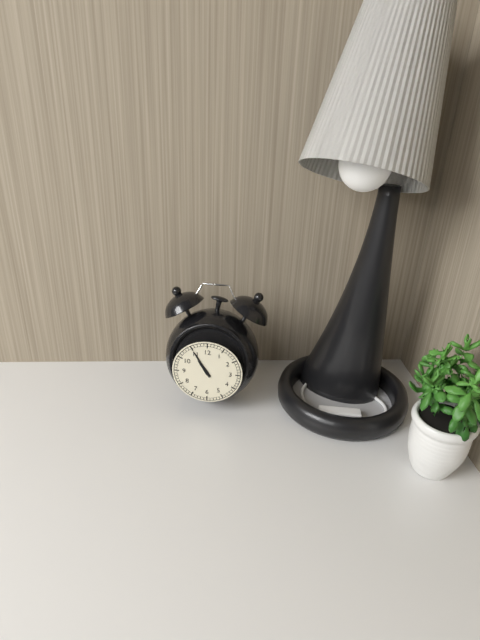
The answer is 10:55
